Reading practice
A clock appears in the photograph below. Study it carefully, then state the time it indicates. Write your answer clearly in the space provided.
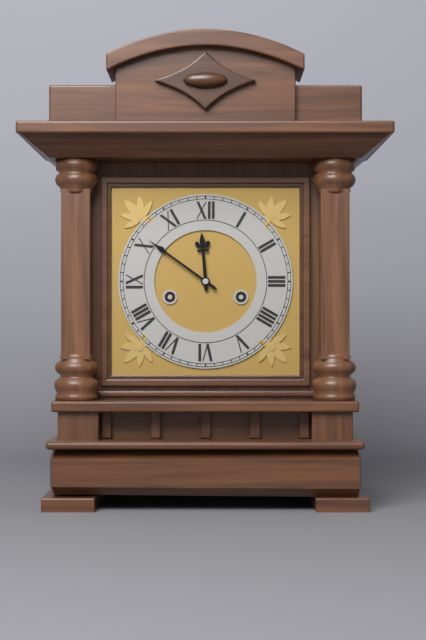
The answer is 11:51
